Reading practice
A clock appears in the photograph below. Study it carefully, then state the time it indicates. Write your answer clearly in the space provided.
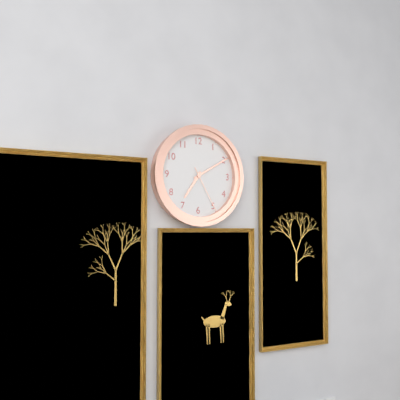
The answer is 7:10:25
